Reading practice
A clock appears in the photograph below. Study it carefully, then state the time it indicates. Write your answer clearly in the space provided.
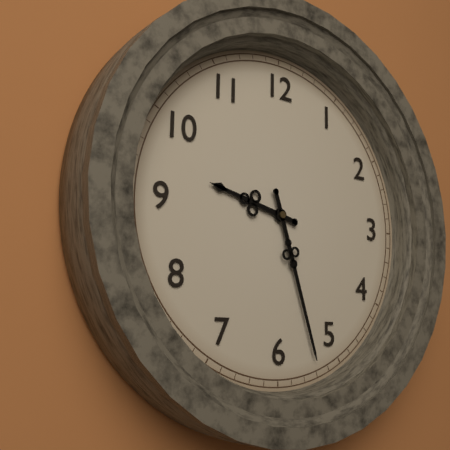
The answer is 9:27
